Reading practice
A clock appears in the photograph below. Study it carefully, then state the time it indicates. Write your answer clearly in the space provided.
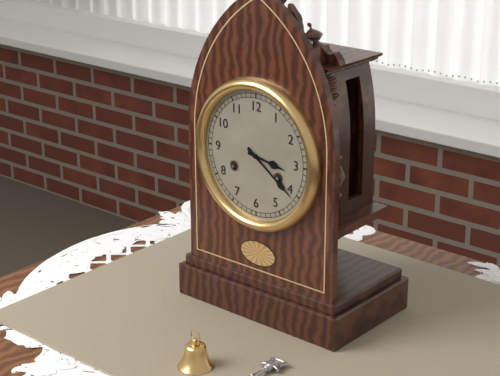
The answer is 3:21
